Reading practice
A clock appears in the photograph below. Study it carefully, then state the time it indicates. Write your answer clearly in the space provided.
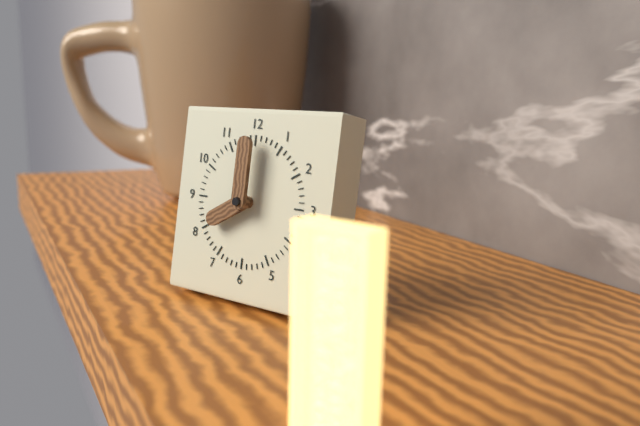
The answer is 8:00
